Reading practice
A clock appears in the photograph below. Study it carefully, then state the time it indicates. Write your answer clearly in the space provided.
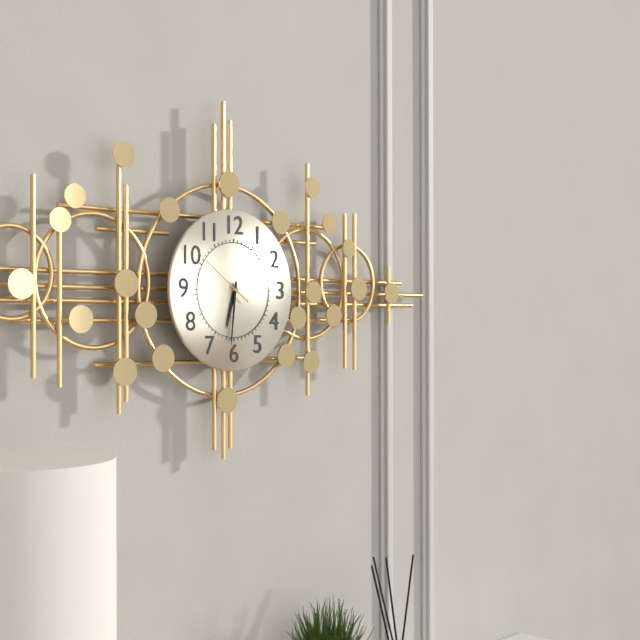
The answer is 6:31:51
